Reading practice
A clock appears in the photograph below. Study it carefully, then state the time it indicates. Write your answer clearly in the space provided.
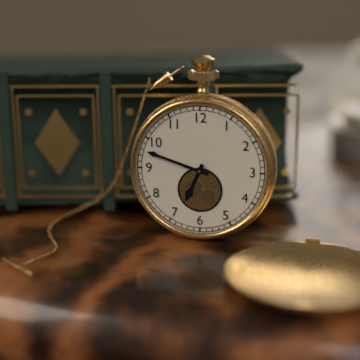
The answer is 6:48
